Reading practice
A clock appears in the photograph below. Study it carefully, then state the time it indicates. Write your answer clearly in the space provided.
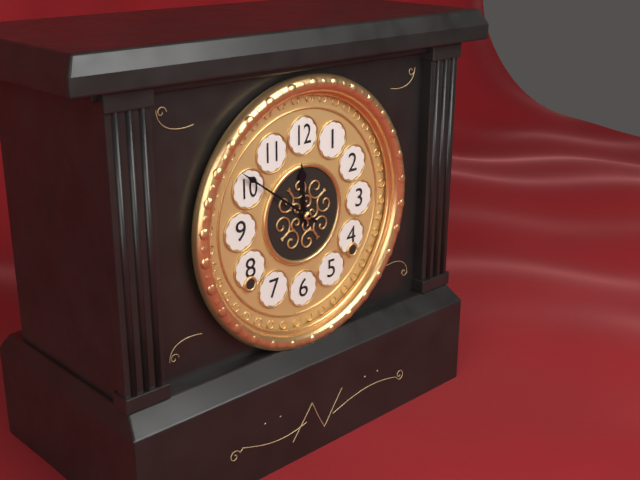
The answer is 11:51
